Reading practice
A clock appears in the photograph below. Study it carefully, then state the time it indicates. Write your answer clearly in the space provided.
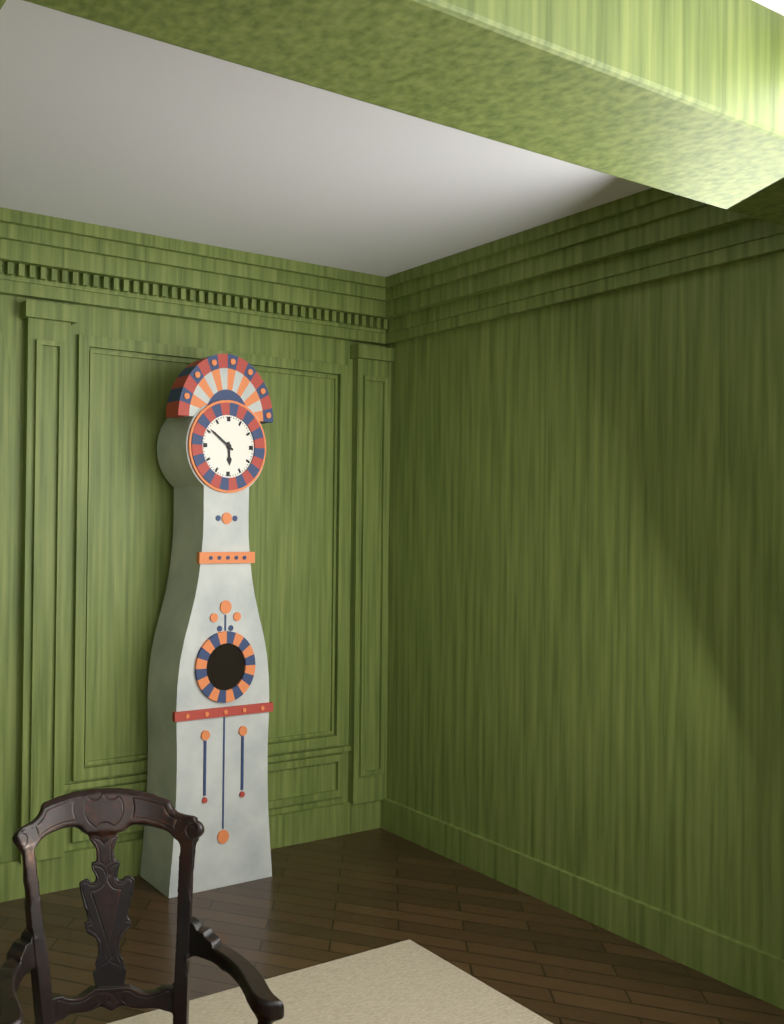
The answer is 5:51
